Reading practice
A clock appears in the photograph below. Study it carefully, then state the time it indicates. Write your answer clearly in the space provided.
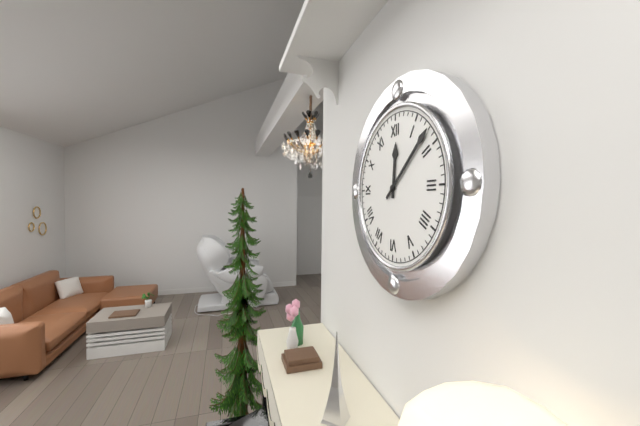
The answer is 12:08
